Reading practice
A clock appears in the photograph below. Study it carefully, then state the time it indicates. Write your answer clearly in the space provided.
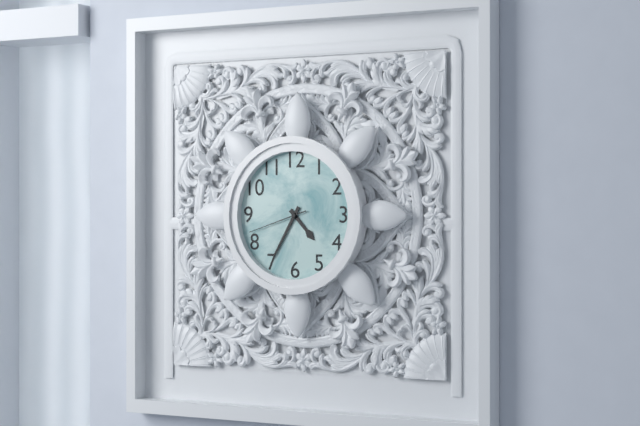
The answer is 4:35:42
